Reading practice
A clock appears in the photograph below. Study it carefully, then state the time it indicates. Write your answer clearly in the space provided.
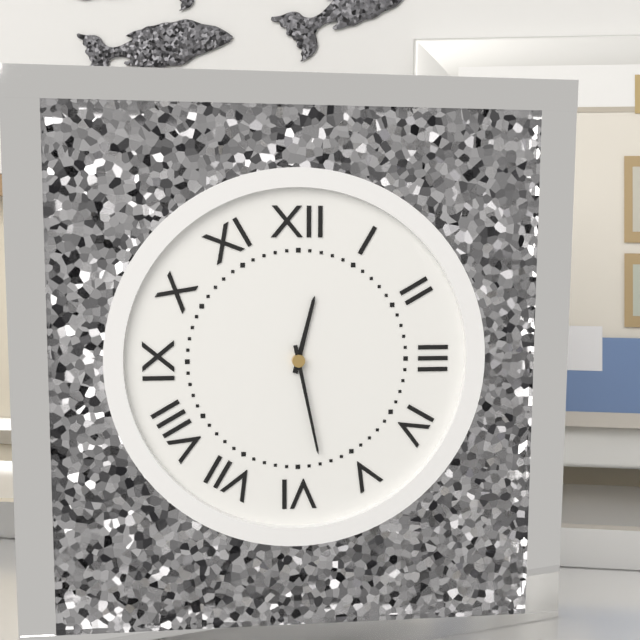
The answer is 12:28
